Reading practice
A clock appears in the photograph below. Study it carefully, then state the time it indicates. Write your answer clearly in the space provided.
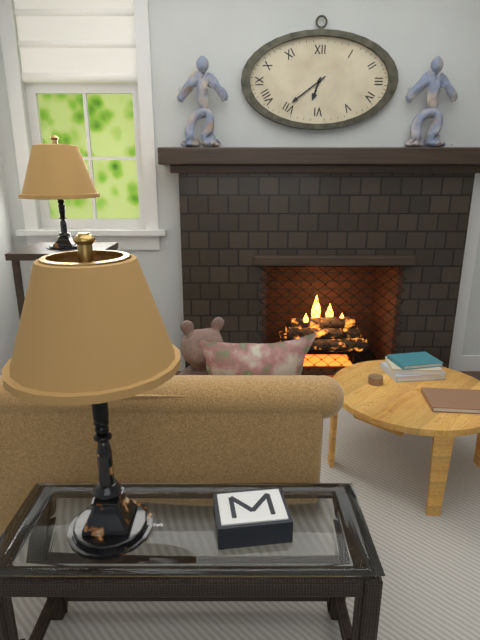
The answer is 6:39
